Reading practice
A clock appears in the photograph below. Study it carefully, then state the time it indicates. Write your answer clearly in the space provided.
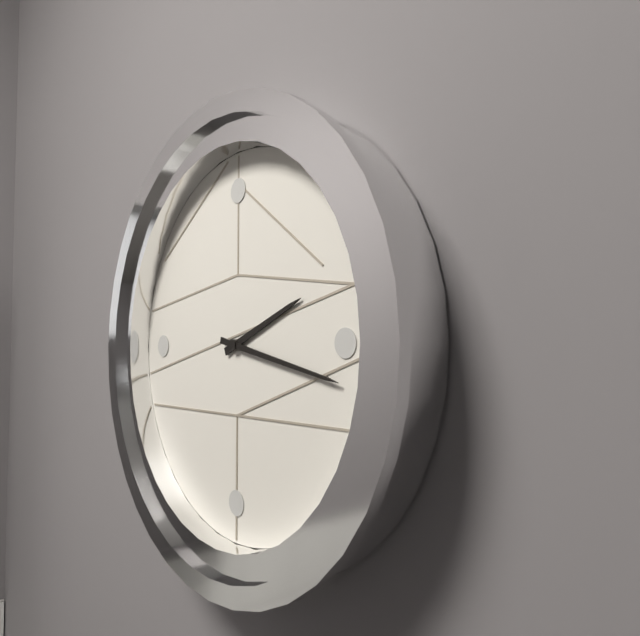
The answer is 2:17
